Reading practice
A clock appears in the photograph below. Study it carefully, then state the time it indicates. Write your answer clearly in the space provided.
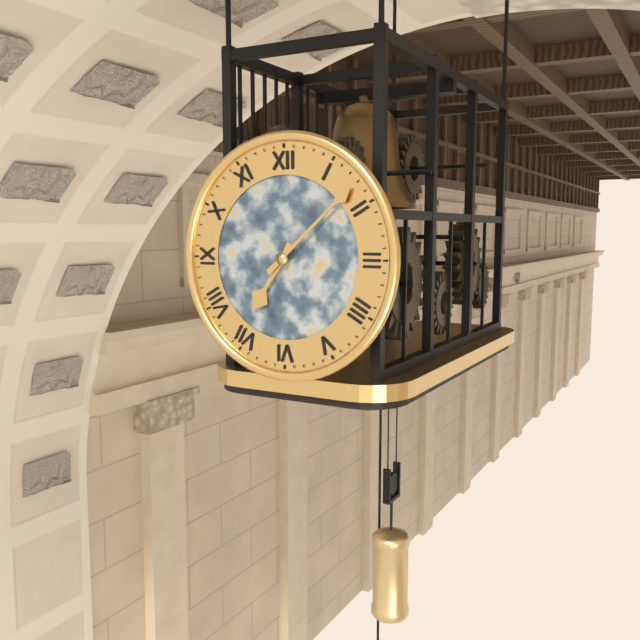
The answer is 7:08
